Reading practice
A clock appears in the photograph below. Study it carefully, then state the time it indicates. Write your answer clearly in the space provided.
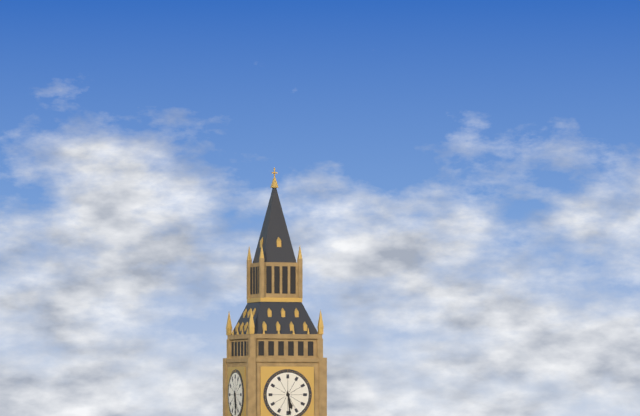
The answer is 5:29
